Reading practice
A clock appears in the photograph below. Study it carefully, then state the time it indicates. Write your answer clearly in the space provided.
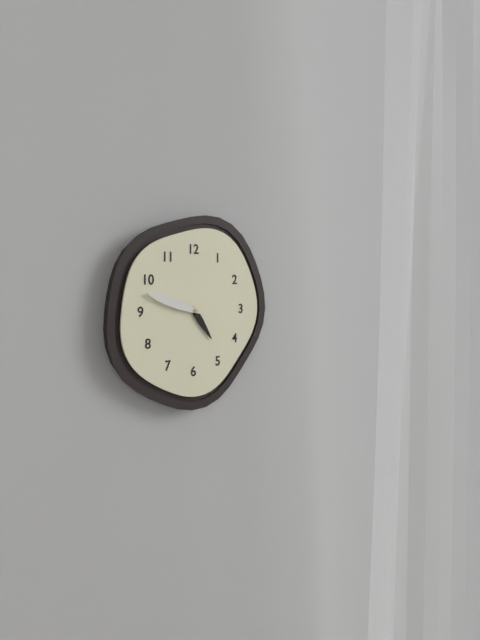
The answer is 4:48
